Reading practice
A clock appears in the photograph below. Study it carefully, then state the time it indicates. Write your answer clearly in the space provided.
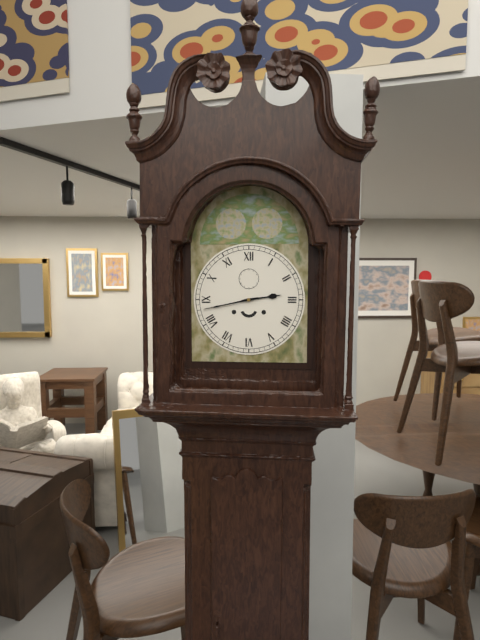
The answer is 2:43
